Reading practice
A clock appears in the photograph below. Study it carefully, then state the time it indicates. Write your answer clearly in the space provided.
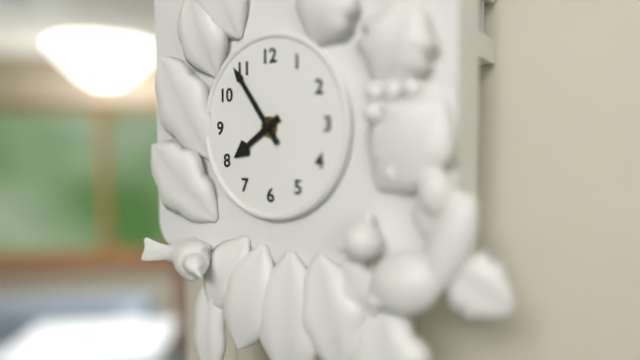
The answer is 7:54
